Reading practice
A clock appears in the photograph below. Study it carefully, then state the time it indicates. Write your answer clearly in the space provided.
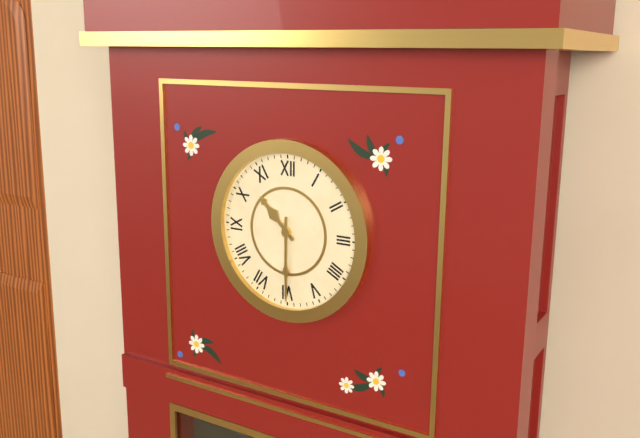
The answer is 10:30
